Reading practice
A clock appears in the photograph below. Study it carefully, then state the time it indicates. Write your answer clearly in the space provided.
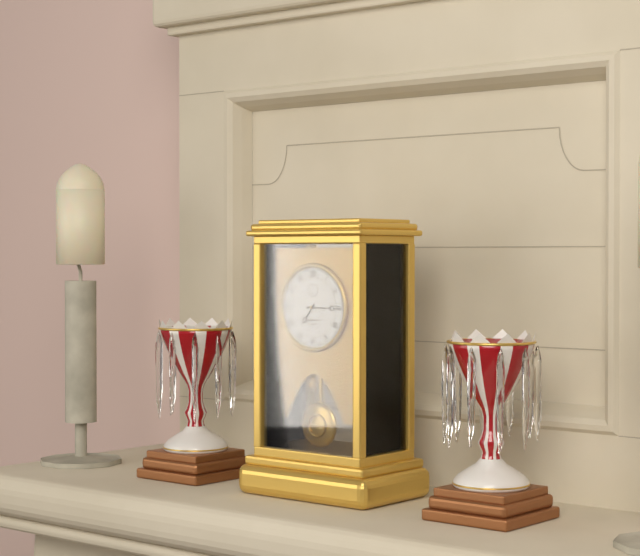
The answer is 7:15
